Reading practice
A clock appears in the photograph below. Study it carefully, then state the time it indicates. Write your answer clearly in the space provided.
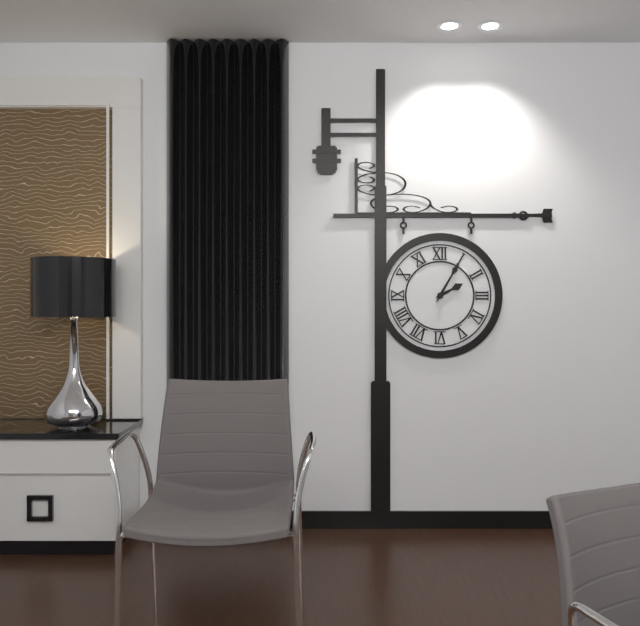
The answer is 2:05
